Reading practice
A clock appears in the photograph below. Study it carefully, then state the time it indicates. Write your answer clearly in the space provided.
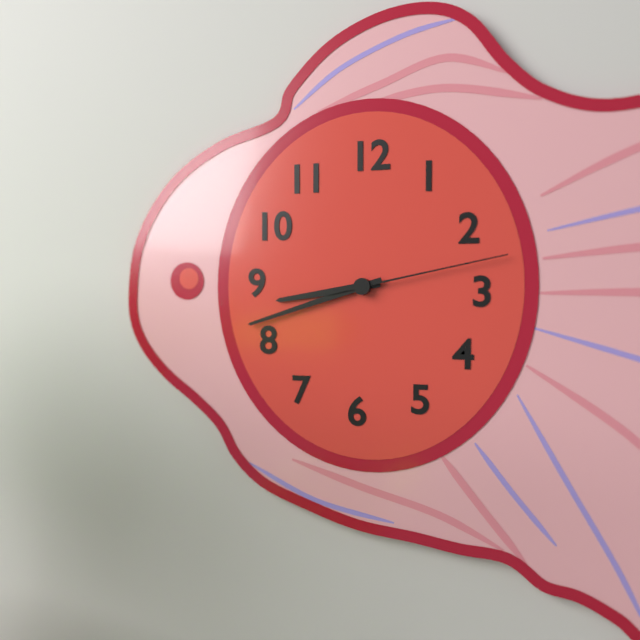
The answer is 8:42:13
